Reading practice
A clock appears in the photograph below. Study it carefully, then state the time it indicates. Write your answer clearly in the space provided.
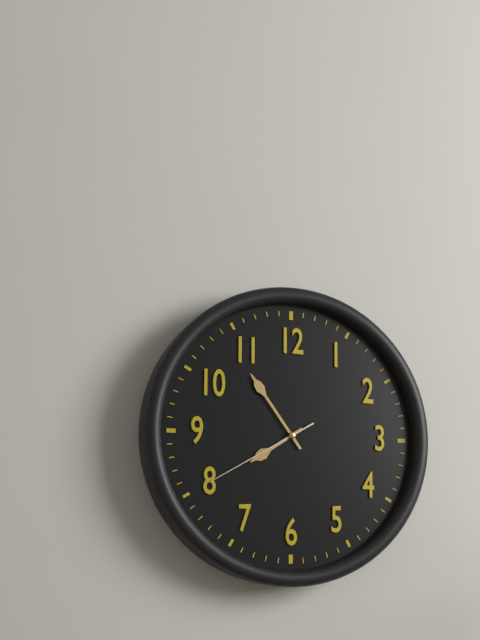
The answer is 7:54:40
